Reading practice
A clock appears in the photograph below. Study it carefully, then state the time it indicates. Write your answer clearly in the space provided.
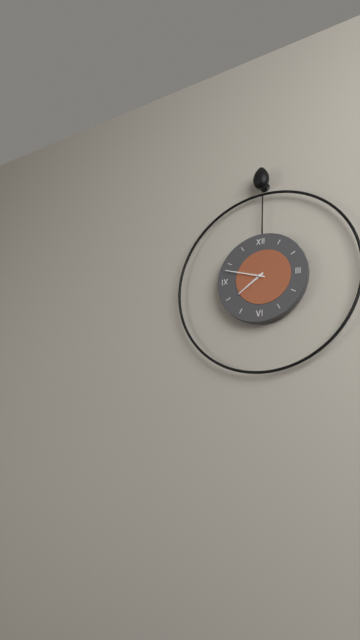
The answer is 7:48
